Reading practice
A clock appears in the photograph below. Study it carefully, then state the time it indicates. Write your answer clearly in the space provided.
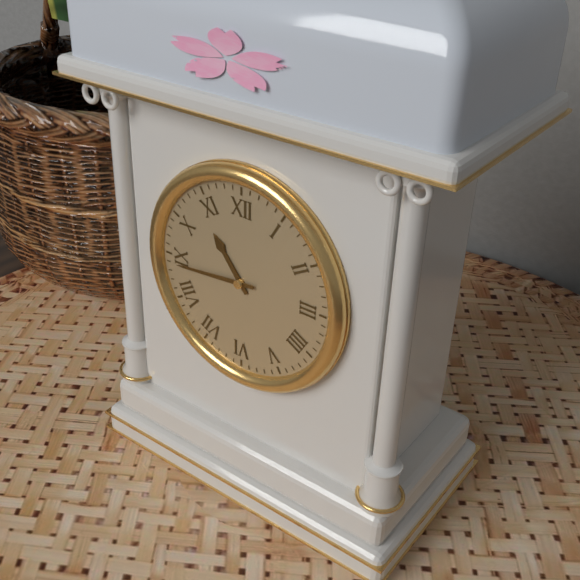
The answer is 10:44
